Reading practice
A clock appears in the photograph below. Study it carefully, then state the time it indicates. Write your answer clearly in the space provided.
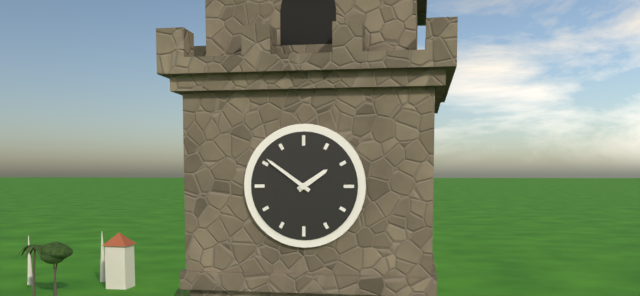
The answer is 1:51
